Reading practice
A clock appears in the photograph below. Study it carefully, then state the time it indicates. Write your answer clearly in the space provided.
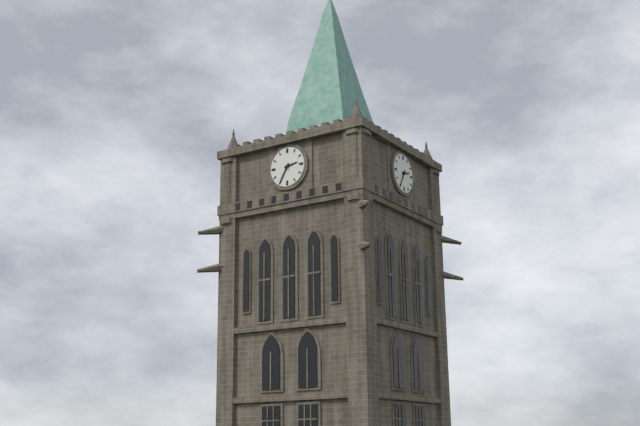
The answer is 2:35
